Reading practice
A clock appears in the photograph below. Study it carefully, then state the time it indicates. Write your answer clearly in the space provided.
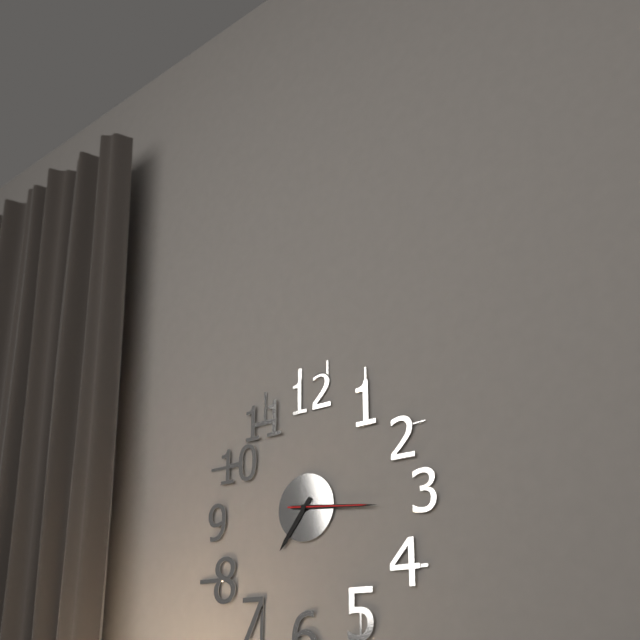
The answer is 7:16:16
